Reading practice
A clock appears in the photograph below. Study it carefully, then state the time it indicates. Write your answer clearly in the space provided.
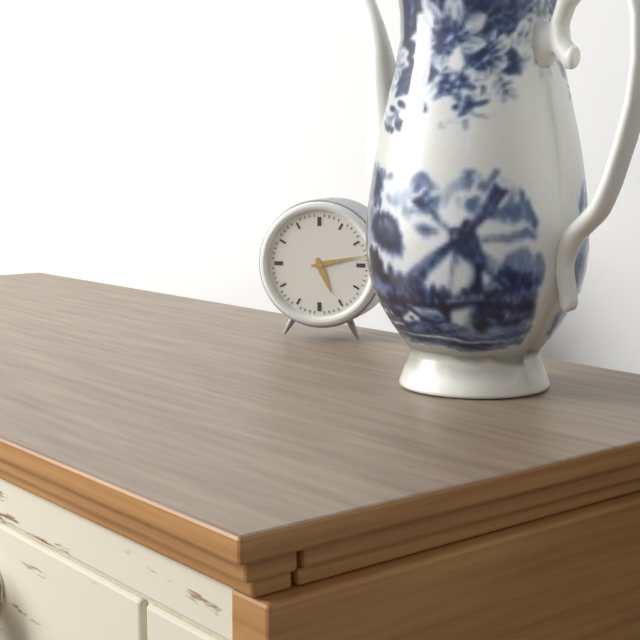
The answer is 5:13
